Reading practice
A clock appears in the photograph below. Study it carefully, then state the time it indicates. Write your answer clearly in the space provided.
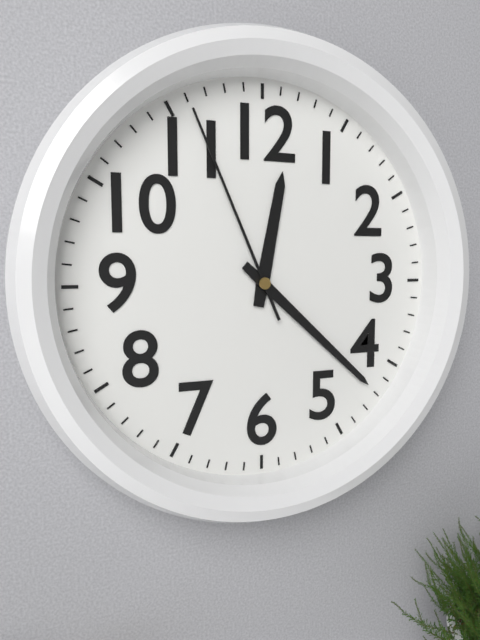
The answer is 12:22:56
